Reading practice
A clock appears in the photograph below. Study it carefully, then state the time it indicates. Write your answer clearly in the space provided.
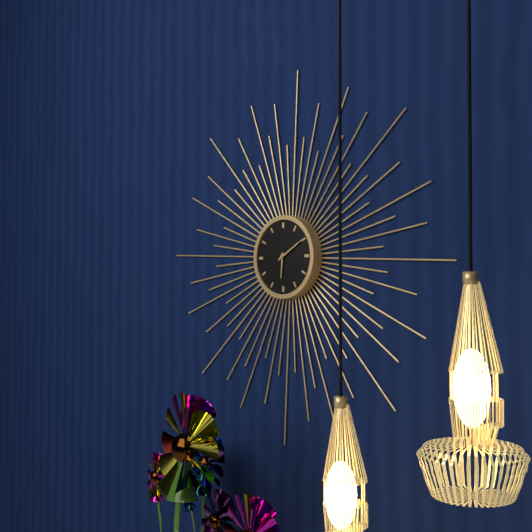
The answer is 6:10
